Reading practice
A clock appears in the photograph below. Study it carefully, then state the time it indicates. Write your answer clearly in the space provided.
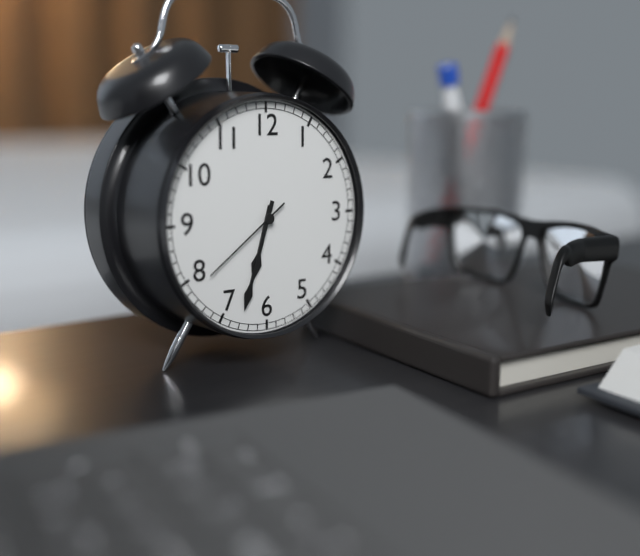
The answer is 6:33:39
